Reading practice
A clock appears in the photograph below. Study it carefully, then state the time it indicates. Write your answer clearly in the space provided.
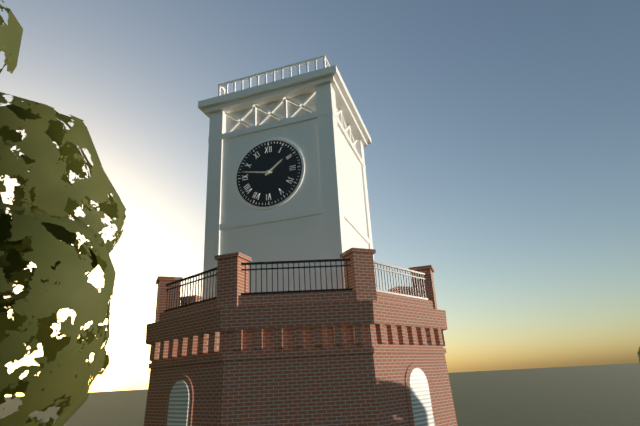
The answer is 1:47
